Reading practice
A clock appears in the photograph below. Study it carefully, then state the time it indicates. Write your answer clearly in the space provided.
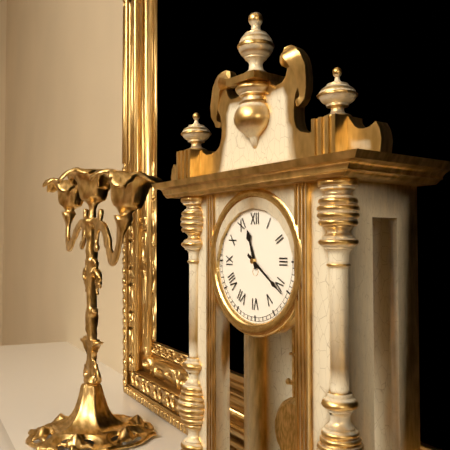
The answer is 11:21
